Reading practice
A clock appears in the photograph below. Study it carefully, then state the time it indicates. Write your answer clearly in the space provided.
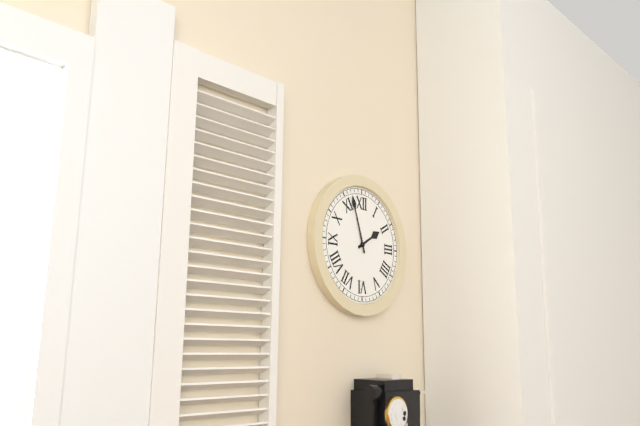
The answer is 1:57
